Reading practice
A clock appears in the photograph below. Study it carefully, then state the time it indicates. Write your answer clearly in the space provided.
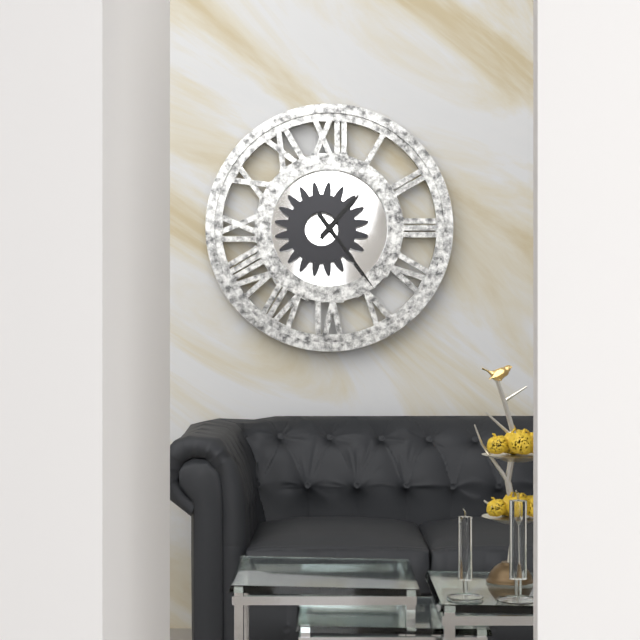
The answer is 1:24
